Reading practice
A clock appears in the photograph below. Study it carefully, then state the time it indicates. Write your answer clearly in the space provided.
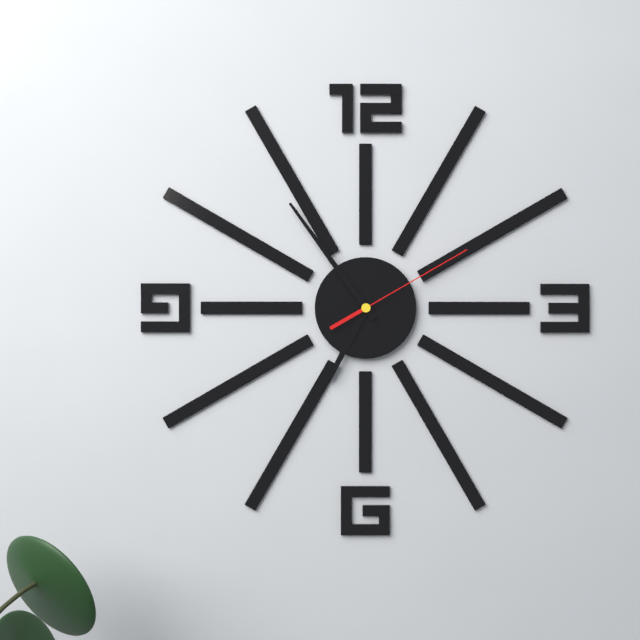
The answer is 6:54:10
